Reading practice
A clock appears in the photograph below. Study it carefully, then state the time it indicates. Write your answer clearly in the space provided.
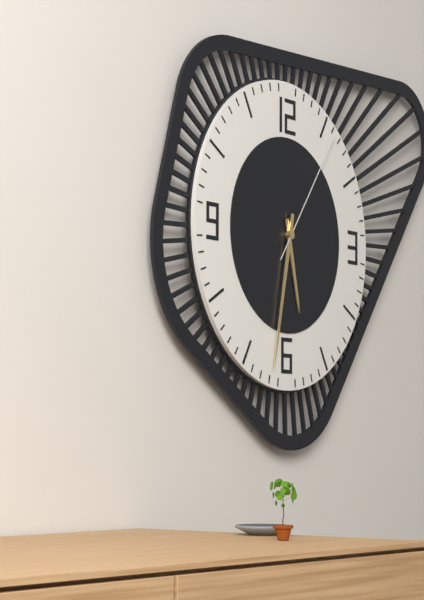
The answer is 5:32:06
